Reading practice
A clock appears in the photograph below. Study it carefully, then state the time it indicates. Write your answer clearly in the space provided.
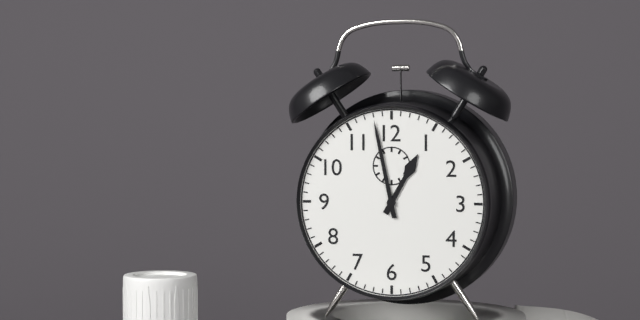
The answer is 12:58
